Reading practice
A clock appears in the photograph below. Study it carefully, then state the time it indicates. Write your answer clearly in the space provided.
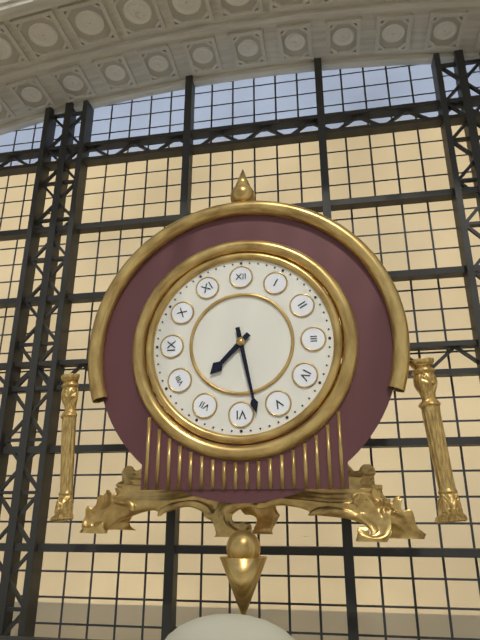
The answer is 7:28
